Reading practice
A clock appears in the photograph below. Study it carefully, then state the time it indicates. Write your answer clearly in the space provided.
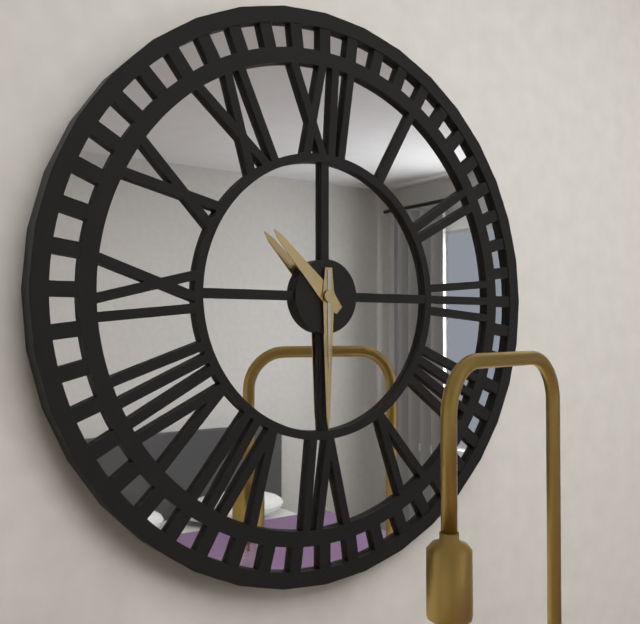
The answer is 10:30:30
